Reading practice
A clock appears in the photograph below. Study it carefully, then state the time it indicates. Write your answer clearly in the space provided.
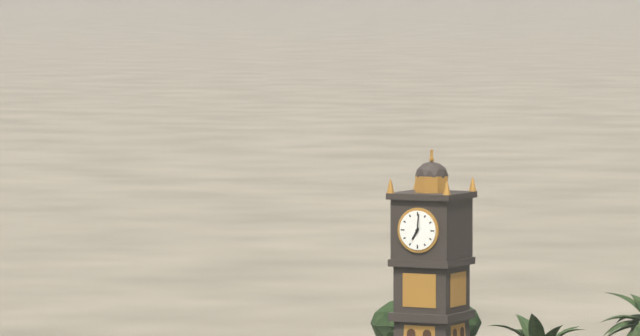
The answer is 7:01
